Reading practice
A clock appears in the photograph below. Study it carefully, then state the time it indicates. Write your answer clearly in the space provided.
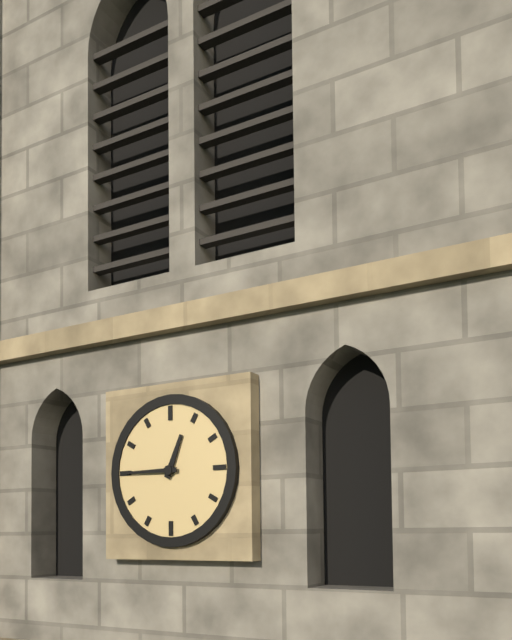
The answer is 12:45
